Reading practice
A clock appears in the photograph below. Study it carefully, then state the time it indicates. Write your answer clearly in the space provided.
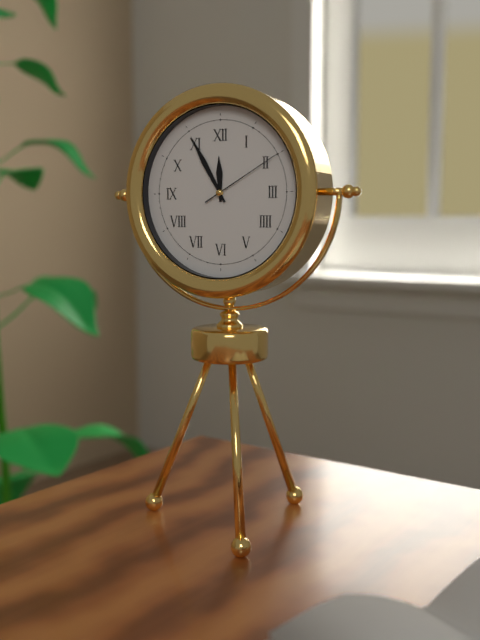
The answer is 11:55:10
